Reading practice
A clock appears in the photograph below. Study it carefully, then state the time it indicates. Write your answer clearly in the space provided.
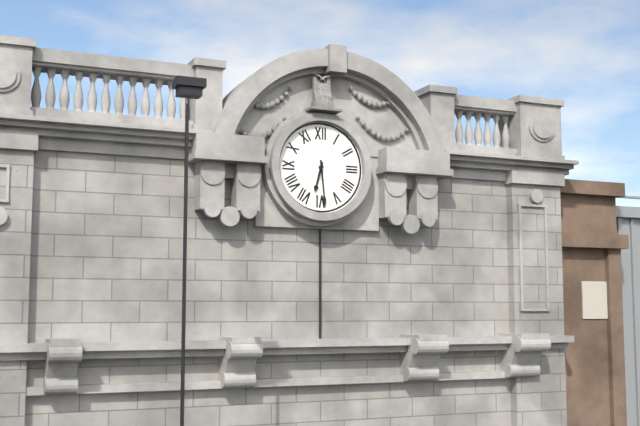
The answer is 6:29
